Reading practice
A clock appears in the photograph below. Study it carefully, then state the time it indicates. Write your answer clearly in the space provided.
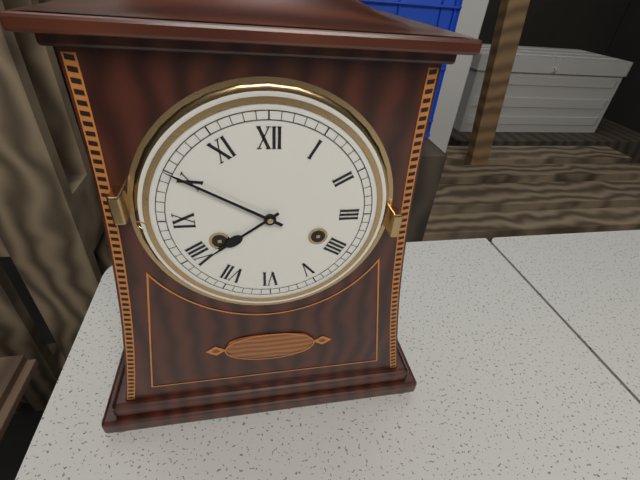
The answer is 7:50
